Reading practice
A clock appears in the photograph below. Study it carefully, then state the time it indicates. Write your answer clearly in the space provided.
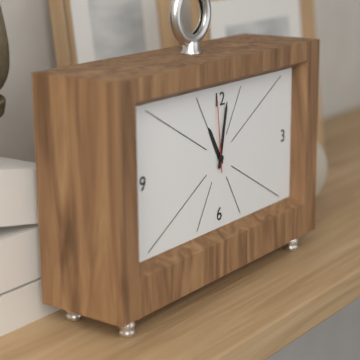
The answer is 11:02:59
